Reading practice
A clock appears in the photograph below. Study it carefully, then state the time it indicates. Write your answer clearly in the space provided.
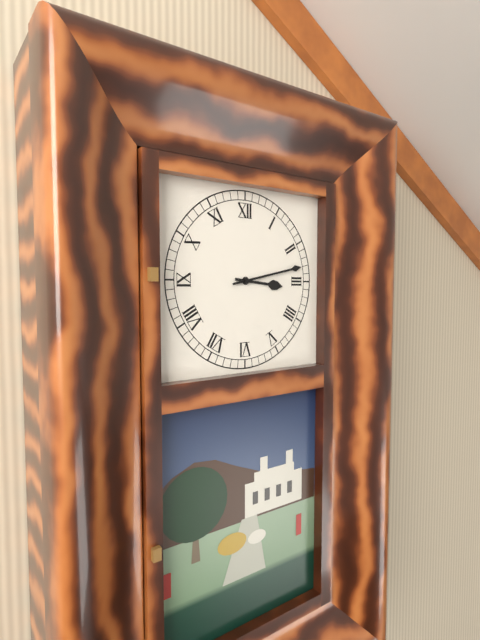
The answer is 3:13
